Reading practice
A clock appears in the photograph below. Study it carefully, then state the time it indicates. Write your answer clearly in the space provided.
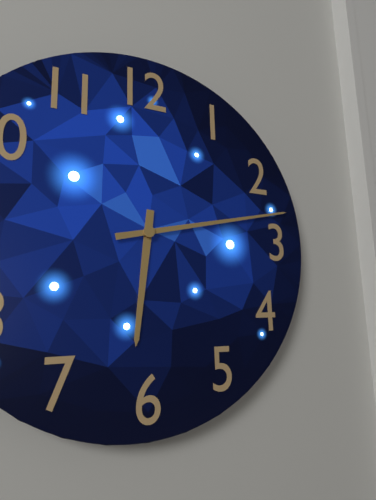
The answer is 6:13
